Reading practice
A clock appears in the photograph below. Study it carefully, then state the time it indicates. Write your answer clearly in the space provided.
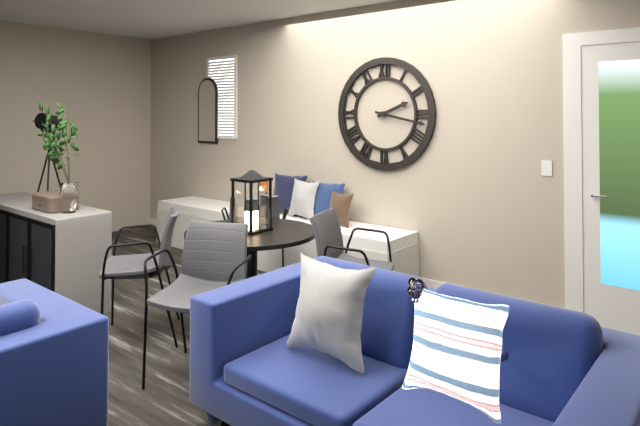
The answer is 2:17
